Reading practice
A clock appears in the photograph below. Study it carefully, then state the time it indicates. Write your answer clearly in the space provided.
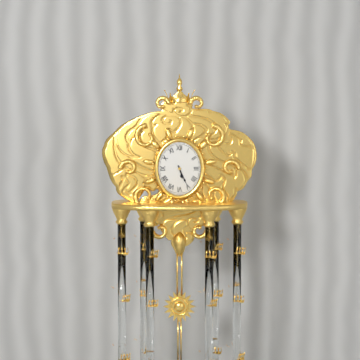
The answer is 5:26
